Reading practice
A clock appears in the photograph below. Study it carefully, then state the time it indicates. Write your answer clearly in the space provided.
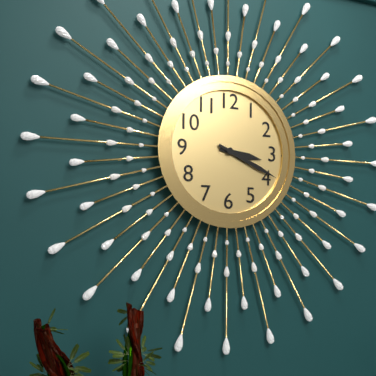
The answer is 3:19
